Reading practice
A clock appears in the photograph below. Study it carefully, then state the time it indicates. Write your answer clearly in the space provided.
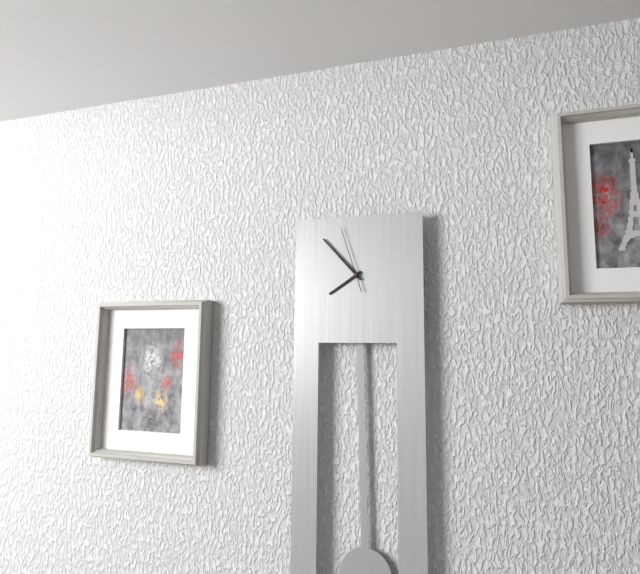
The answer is 7:53:57
